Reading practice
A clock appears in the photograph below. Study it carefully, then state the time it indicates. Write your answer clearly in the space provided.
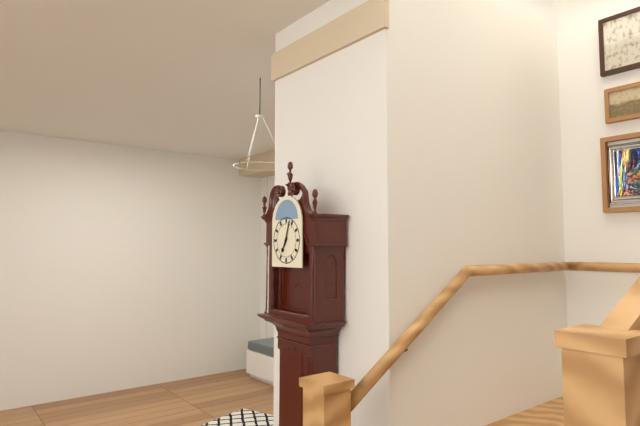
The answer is 7:03
